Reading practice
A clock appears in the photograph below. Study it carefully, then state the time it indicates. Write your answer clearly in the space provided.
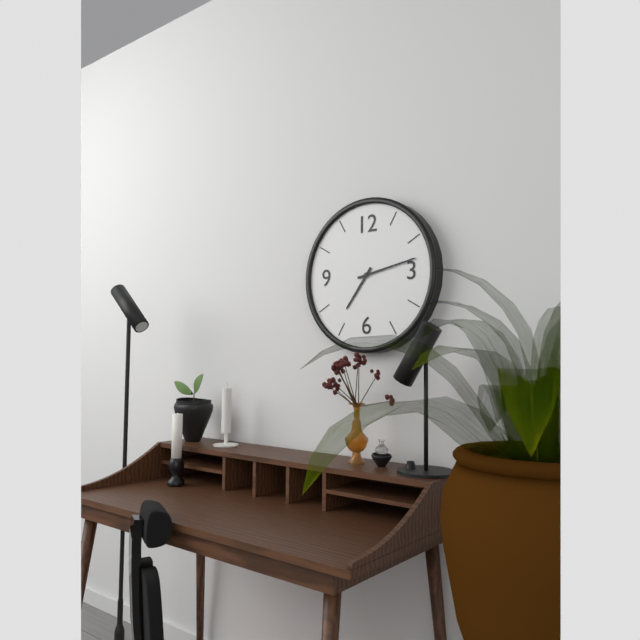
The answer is 7:13
